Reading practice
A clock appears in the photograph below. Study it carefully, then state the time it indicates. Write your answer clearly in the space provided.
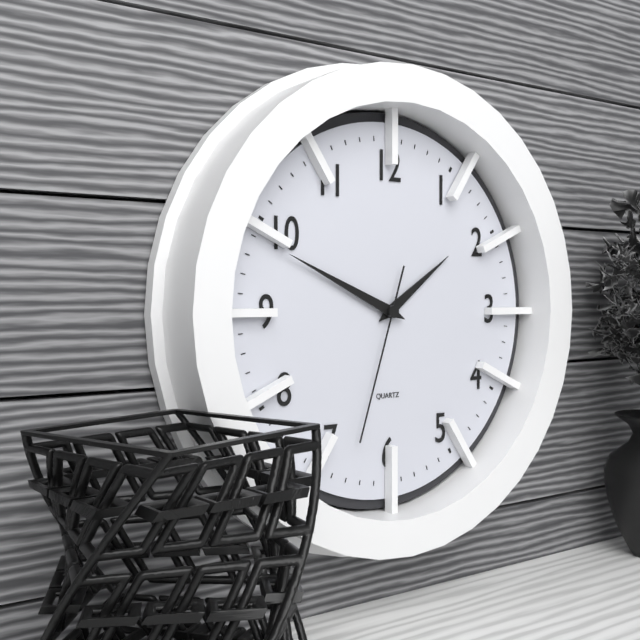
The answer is 1:49:33
